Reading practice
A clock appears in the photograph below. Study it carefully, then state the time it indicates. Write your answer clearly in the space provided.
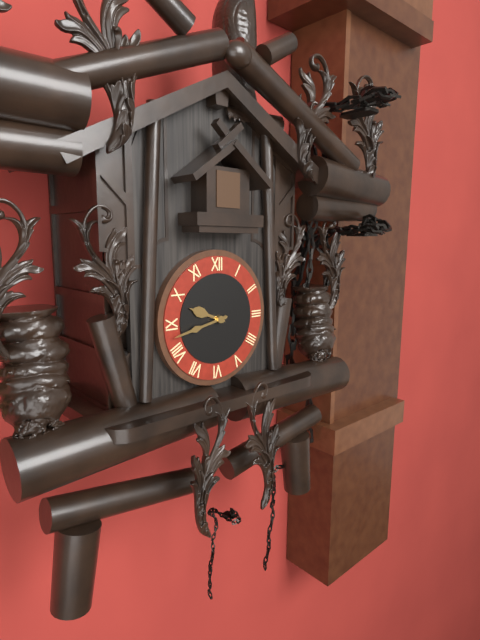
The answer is 9:43
